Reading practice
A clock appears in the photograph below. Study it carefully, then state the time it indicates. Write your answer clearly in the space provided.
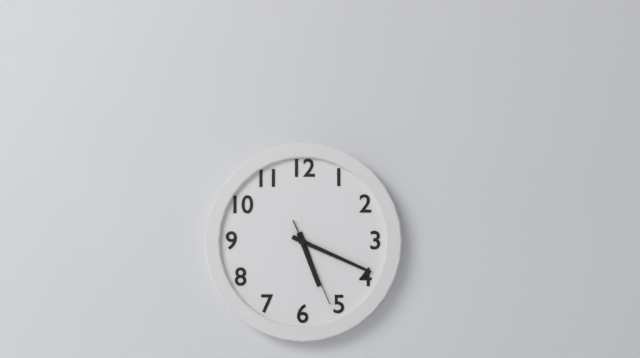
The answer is 5:19:26
